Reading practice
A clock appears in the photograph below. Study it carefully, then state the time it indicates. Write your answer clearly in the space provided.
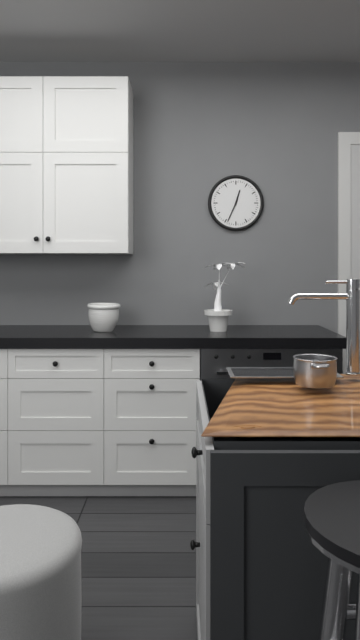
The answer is 12:34
